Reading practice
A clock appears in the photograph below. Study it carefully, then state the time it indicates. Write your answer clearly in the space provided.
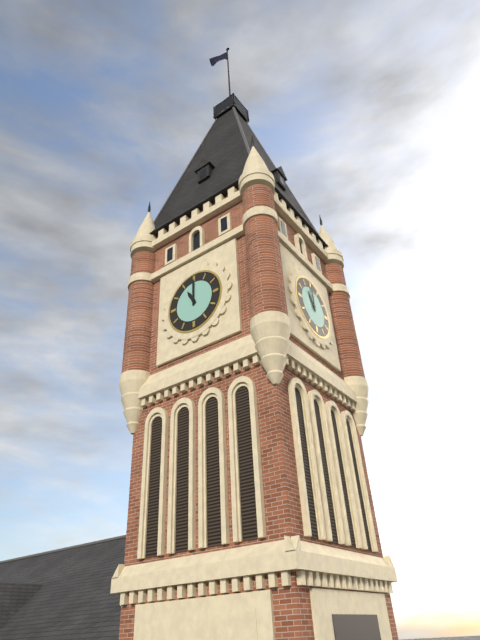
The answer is 11:00
